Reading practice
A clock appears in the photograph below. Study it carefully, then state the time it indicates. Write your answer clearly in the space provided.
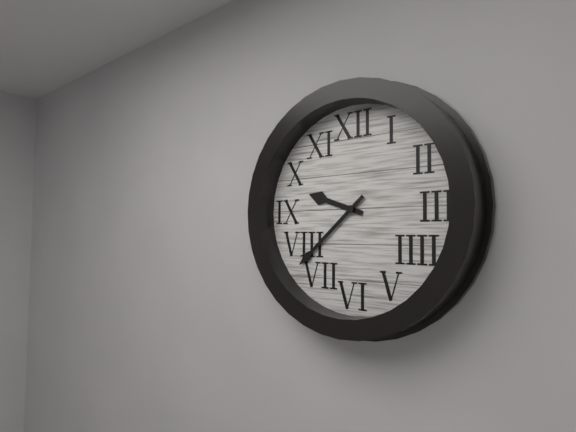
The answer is 9:38
